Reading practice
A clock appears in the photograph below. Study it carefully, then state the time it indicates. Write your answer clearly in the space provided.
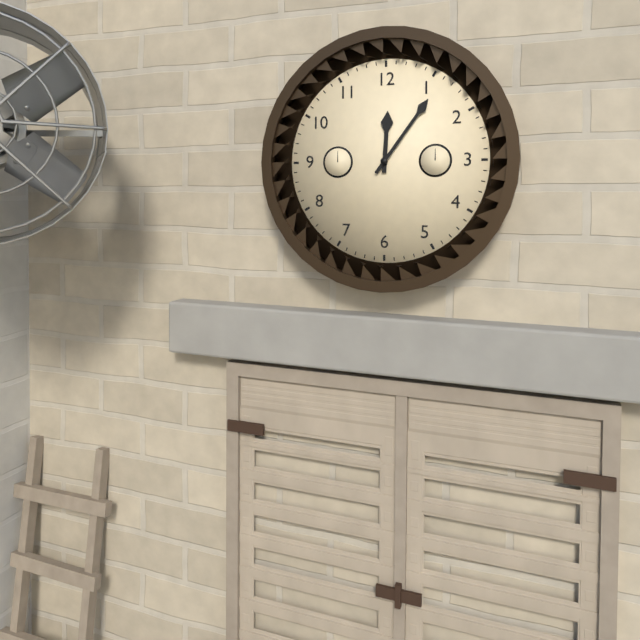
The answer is 12:06
